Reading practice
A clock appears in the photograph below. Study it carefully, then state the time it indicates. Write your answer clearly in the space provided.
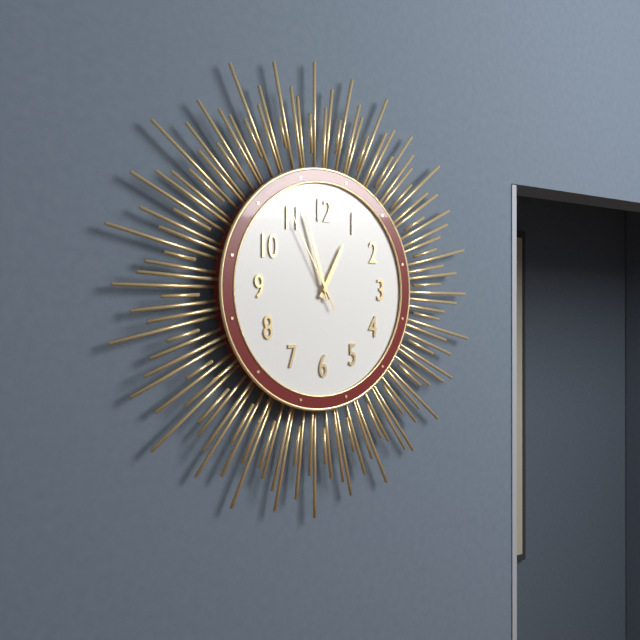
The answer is 12:57:55
